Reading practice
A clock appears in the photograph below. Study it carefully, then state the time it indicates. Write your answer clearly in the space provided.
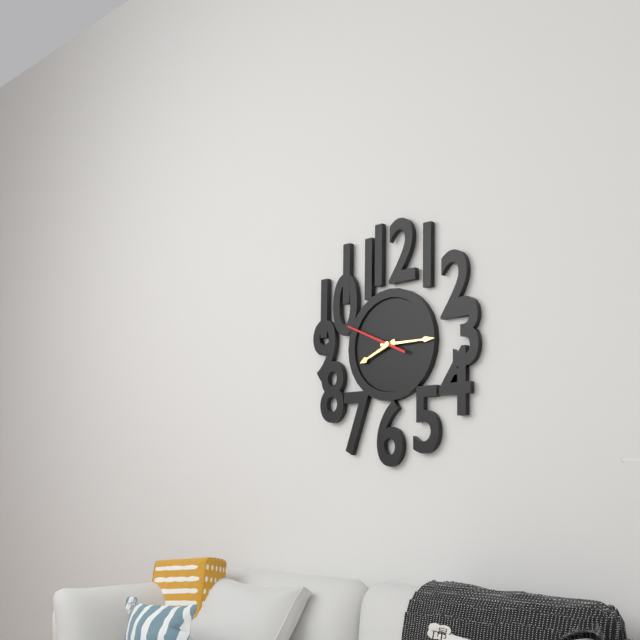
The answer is 8:15:49
